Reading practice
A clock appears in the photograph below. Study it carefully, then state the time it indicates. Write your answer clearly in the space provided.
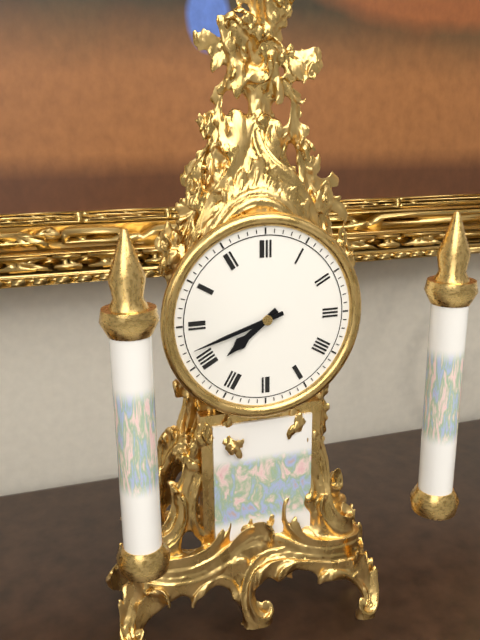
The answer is 7:42
